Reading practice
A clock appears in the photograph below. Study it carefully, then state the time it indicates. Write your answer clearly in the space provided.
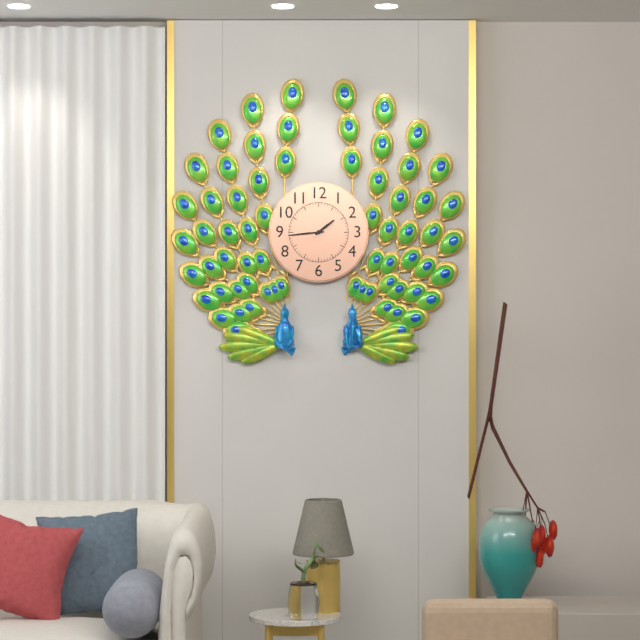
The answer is 1:44
